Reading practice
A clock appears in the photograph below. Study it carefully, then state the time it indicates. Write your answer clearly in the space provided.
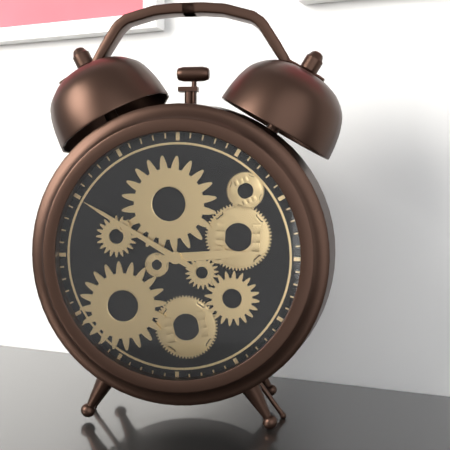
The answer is 2:50
